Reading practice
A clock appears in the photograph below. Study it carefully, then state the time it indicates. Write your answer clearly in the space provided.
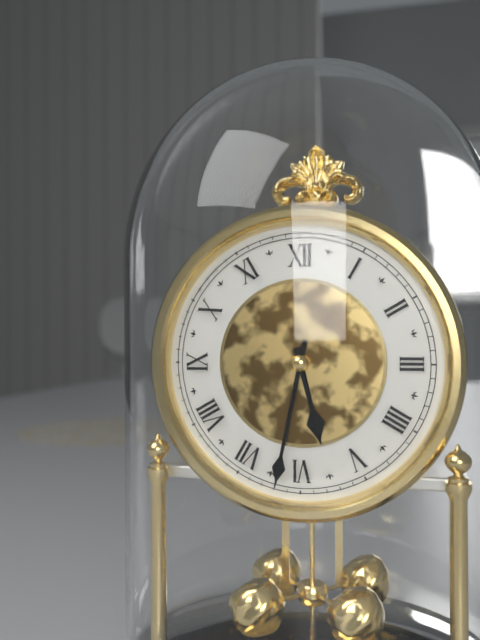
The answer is 5:32
